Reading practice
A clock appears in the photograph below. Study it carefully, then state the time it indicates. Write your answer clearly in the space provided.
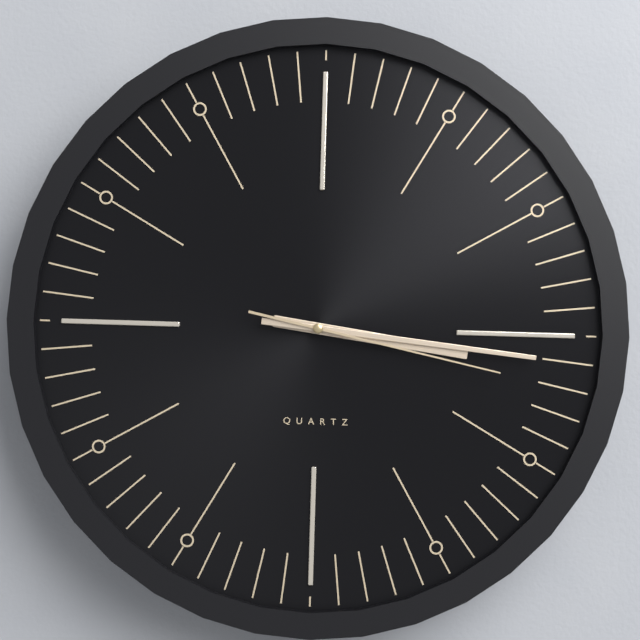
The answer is 3:16:17
